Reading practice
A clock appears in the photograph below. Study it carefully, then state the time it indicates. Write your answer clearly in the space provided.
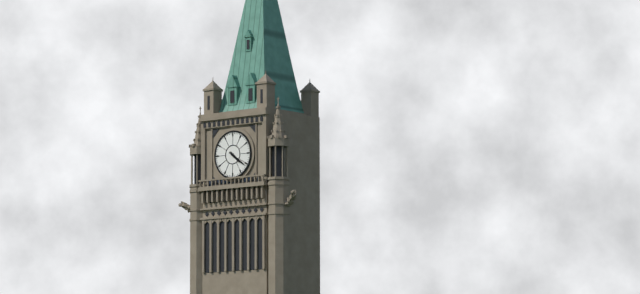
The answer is 4:21
